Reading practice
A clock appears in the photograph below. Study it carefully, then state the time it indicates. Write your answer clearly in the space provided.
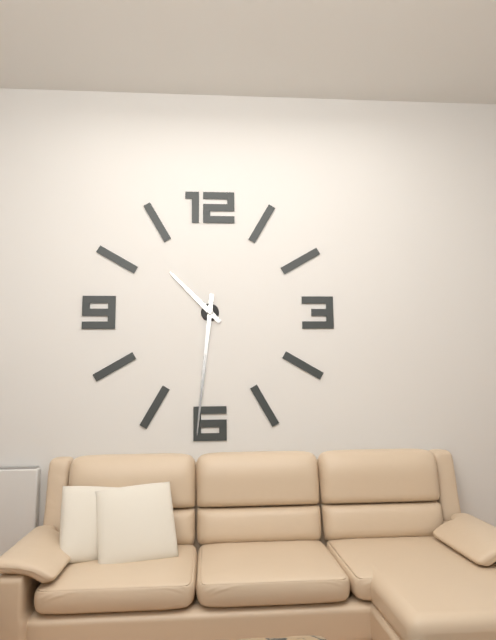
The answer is 10:31
